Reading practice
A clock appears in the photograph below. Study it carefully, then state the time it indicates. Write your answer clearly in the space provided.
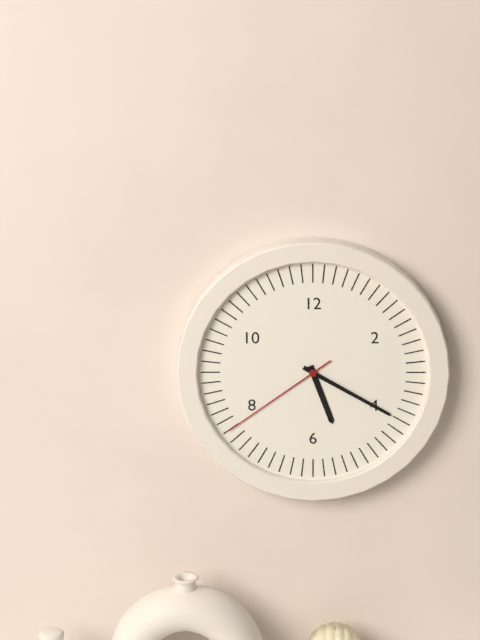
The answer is 5:20:39
